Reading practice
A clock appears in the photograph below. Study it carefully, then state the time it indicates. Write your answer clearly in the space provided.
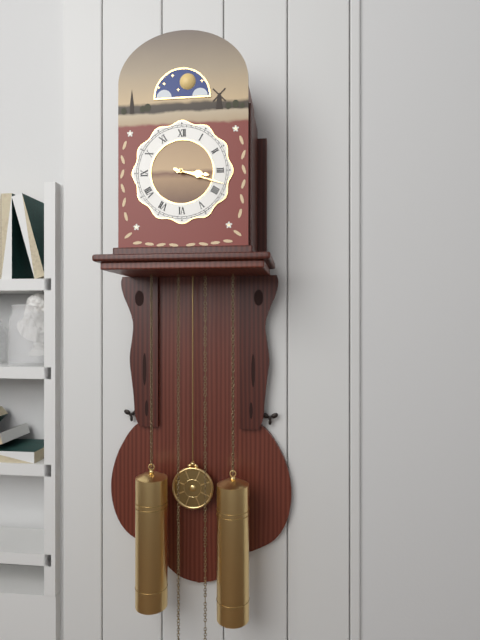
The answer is 3:18
